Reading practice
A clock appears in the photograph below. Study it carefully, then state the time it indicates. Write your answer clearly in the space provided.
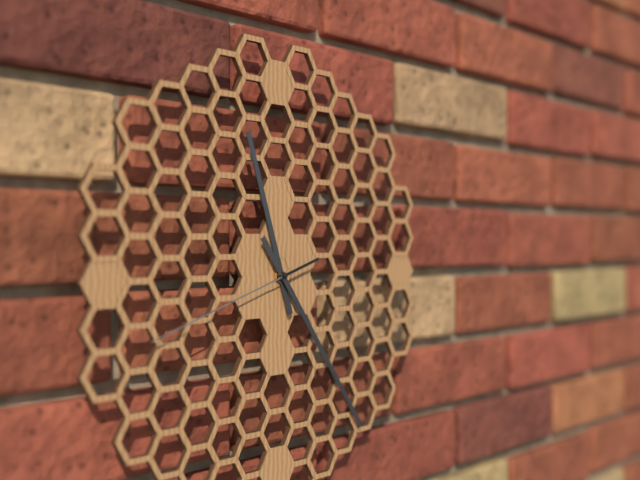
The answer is 11:24:42
